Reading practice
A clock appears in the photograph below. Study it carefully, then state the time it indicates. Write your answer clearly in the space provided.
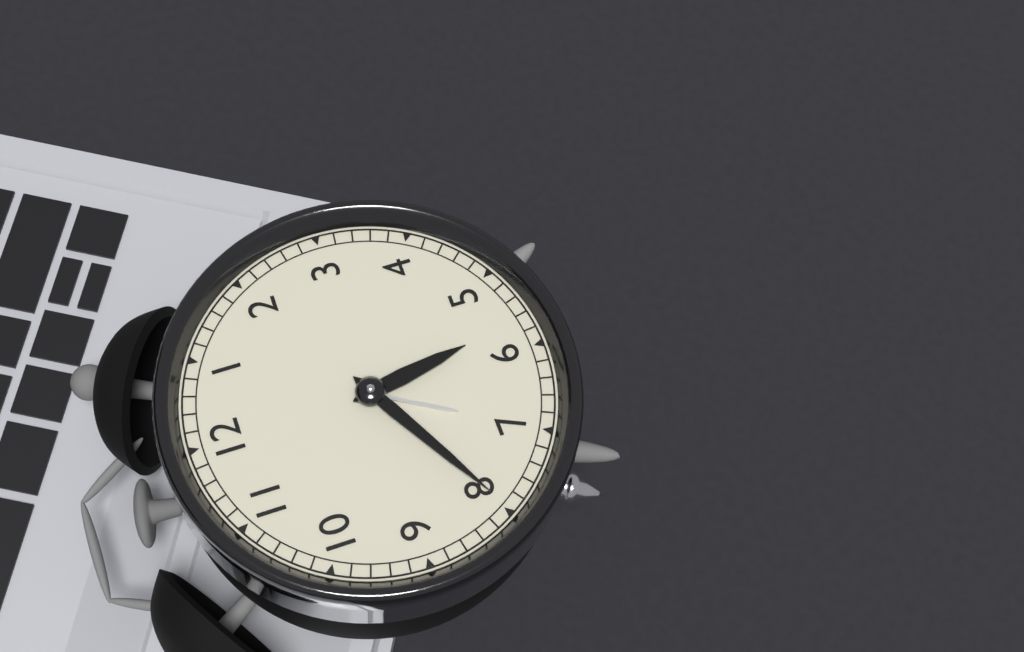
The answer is 5:40
